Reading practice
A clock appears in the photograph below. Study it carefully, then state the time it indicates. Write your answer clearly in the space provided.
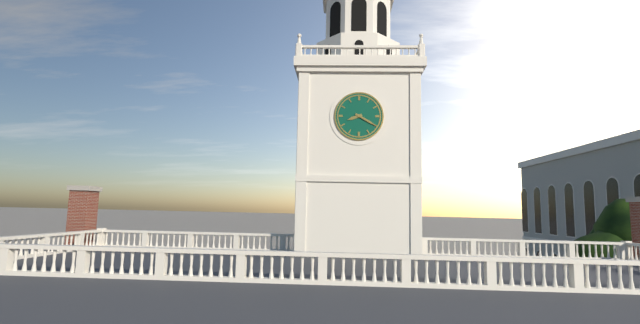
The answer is 8:20
